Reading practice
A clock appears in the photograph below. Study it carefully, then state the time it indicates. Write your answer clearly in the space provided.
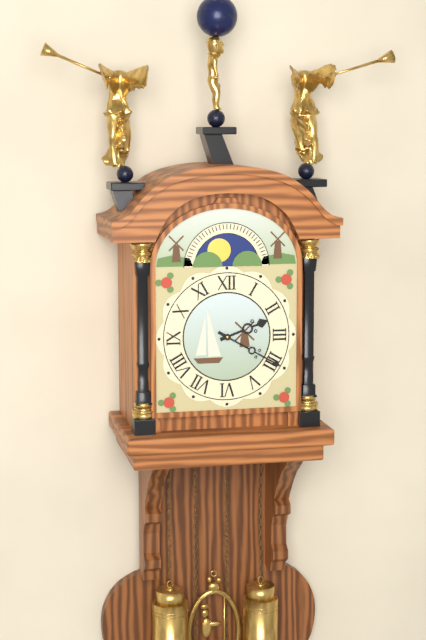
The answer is 2:20
